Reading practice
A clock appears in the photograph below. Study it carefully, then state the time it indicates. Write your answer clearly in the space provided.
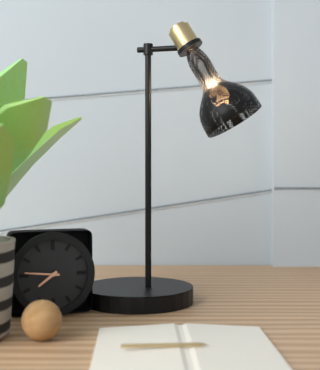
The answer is 7:46
